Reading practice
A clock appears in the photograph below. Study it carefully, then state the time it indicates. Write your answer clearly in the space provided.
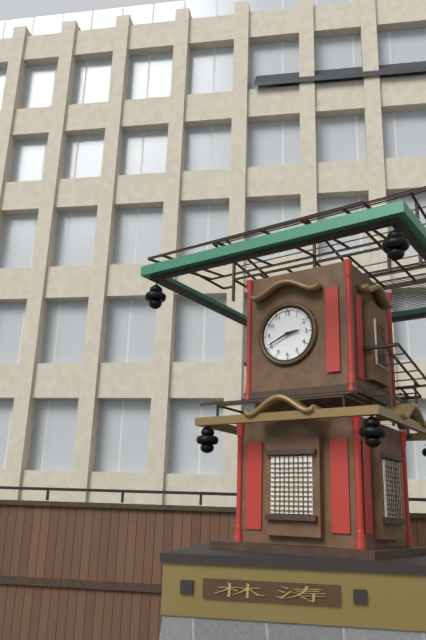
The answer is 2:41
